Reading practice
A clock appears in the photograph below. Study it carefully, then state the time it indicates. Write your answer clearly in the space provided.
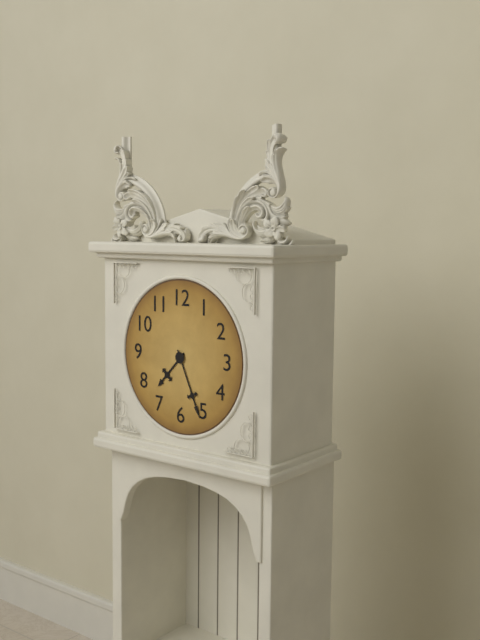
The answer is 7:26
